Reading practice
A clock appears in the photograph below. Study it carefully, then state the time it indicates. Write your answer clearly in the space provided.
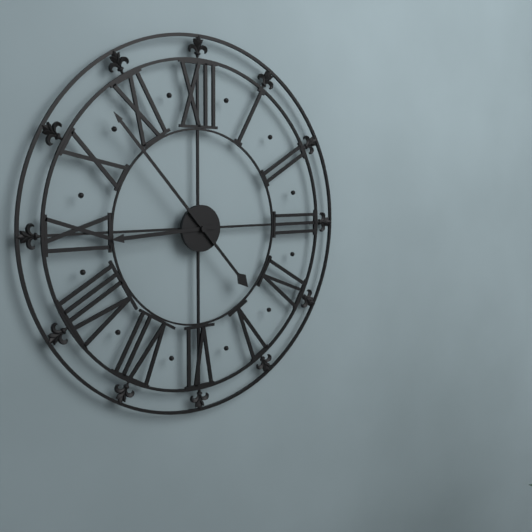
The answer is 8:53
